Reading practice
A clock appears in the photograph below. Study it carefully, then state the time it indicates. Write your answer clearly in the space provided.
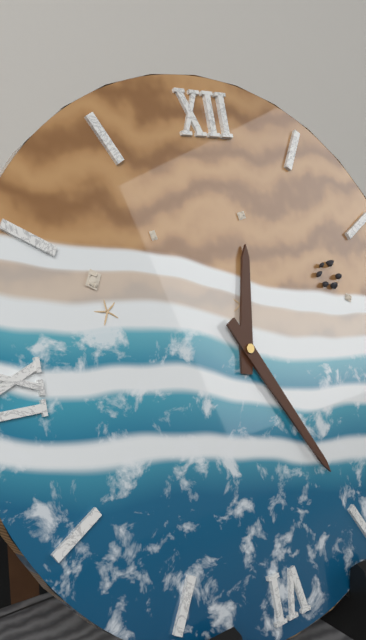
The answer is 12:25
